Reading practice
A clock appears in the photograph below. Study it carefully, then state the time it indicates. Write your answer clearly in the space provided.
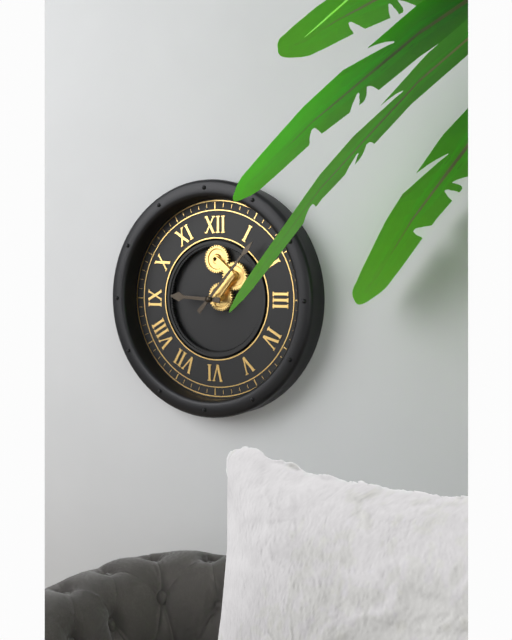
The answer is 9:07
